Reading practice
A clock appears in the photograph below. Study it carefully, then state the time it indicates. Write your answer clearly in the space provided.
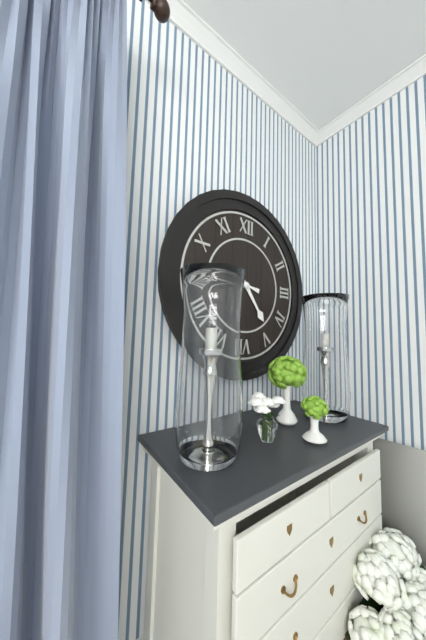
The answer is 4:47
